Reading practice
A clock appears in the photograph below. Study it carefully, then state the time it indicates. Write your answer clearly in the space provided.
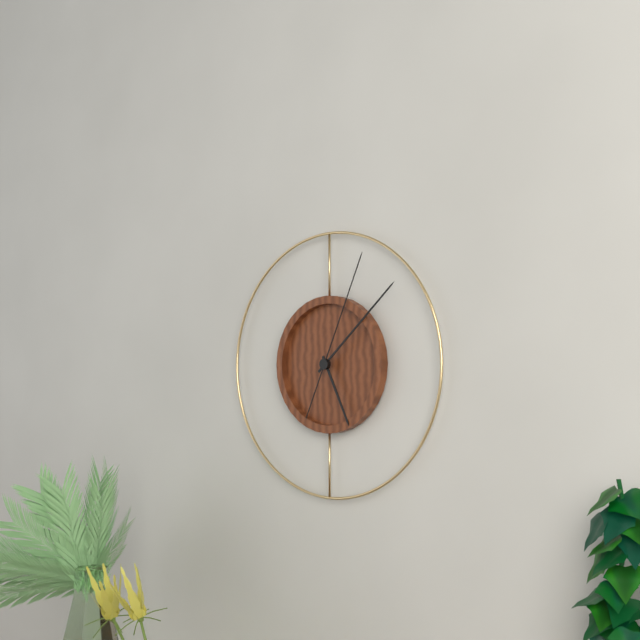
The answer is 5:08:04
